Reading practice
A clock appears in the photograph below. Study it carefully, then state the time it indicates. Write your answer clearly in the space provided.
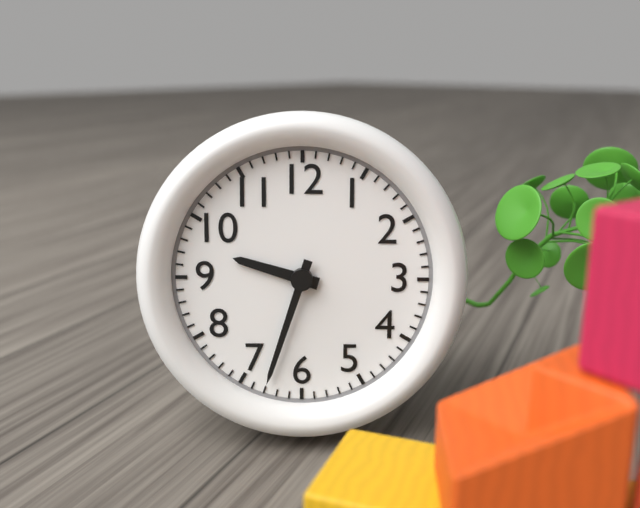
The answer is 9:33
